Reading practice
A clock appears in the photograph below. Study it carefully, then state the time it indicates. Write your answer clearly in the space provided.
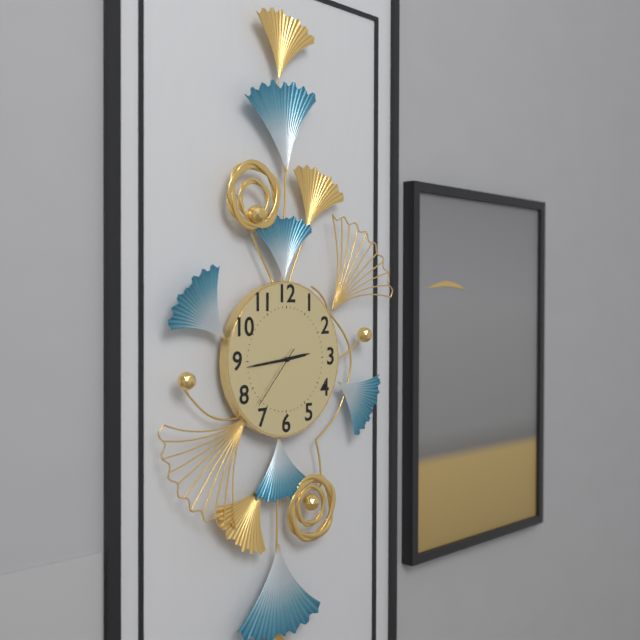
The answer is 2:44:37
